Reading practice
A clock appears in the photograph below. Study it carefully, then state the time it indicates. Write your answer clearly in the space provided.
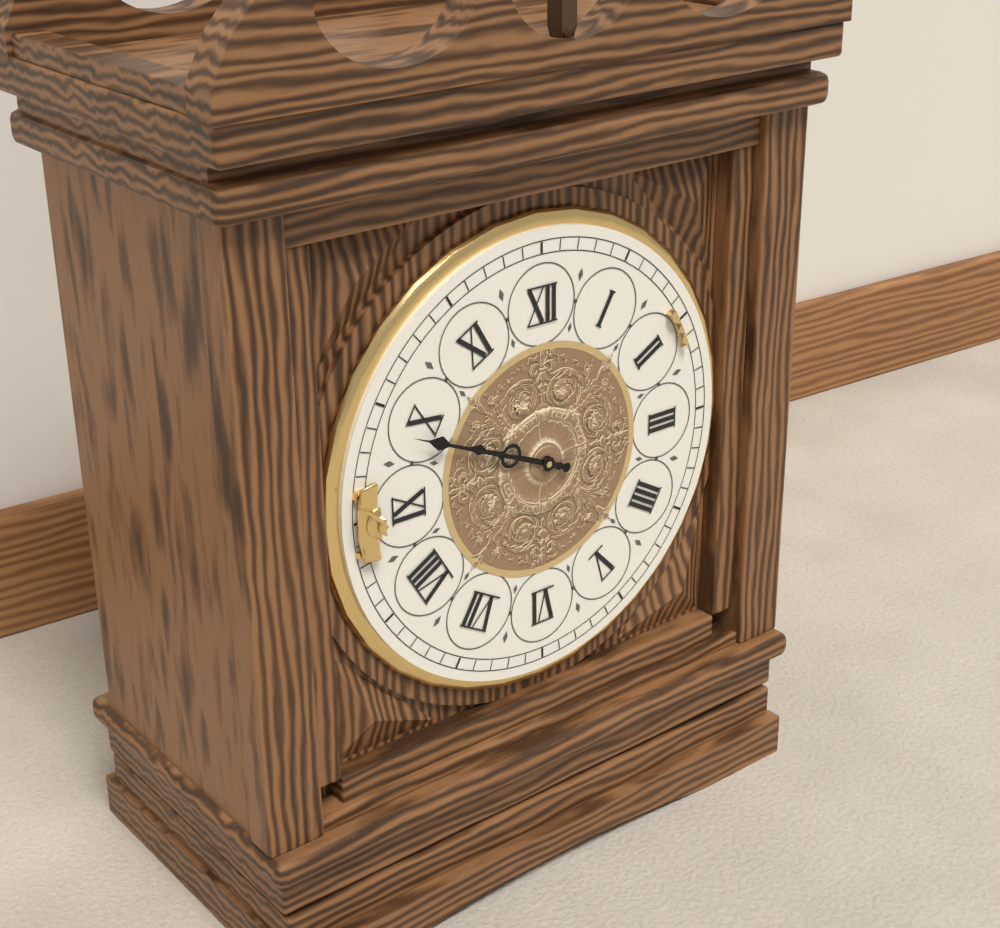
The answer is 9:49
